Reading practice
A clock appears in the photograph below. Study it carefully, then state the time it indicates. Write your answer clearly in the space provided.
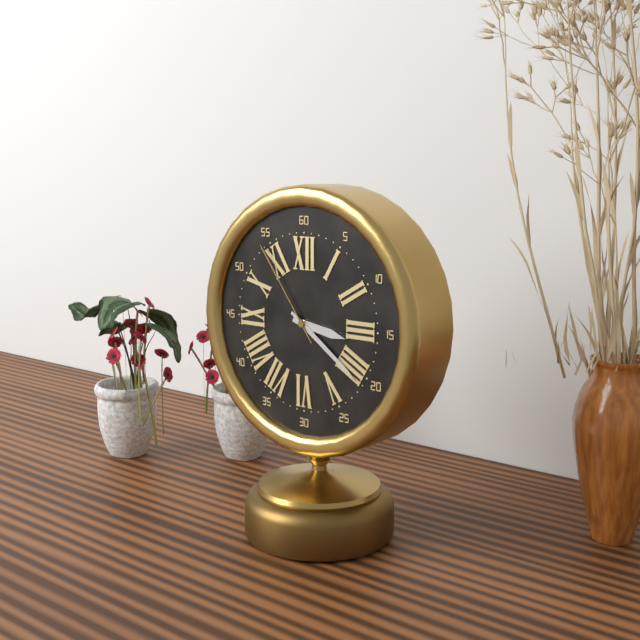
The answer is 3:21:54
